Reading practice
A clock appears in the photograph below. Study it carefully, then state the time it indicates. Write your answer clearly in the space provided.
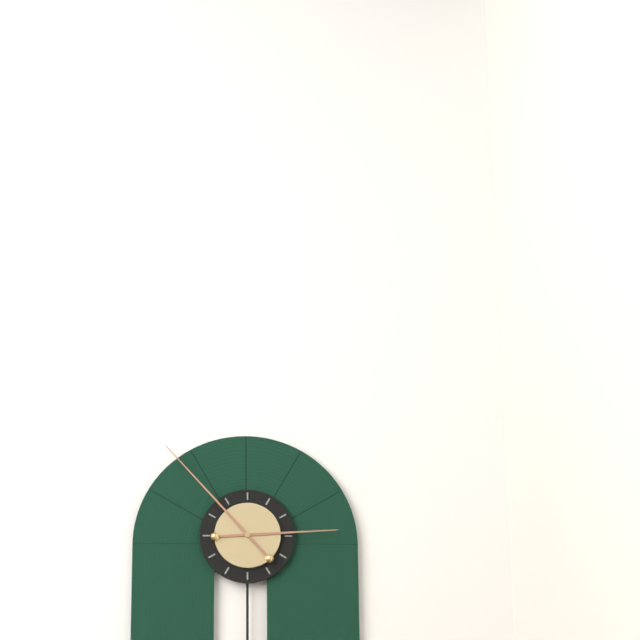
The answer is 2:53
